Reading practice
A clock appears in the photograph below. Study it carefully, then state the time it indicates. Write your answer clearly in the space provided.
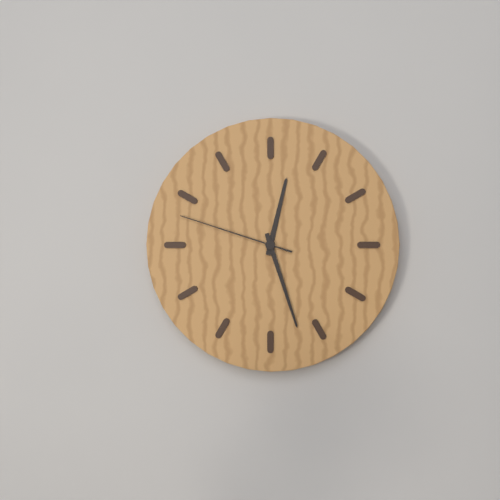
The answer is 12:27:48
